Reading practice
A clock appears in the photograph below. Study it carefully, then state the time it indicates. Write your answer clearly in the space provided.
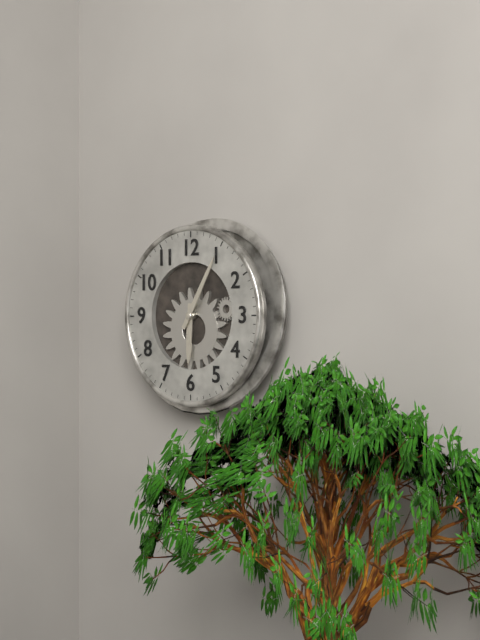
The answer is 6:05
